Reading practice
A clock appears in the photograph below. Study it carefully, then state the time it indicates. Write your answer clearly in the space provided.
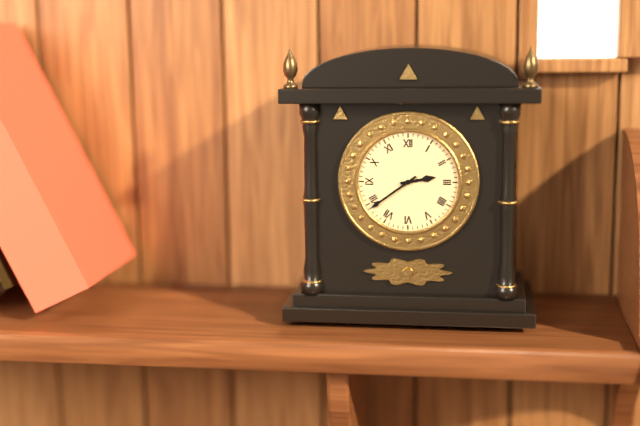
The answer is 2:39
